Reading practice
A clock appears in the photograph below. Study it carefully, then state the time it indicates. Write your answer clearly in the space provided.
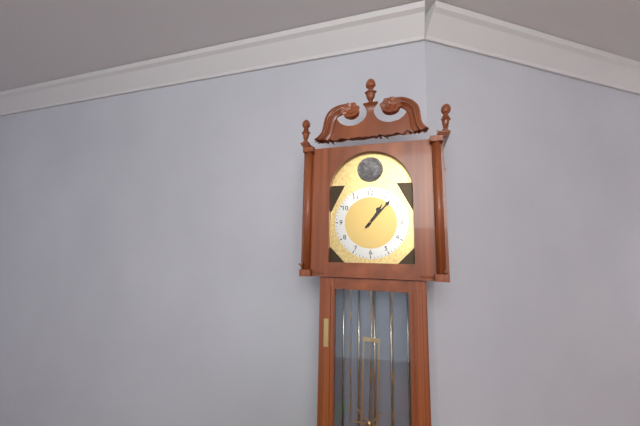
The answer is 1:07
